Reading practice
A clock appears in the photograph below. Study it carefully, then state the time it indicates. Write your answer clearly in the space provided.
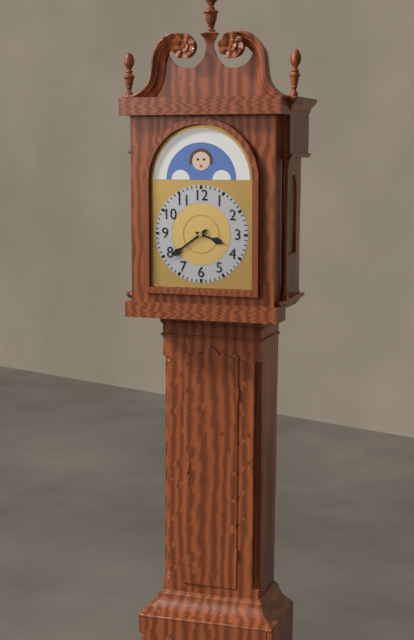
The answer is 3:39
